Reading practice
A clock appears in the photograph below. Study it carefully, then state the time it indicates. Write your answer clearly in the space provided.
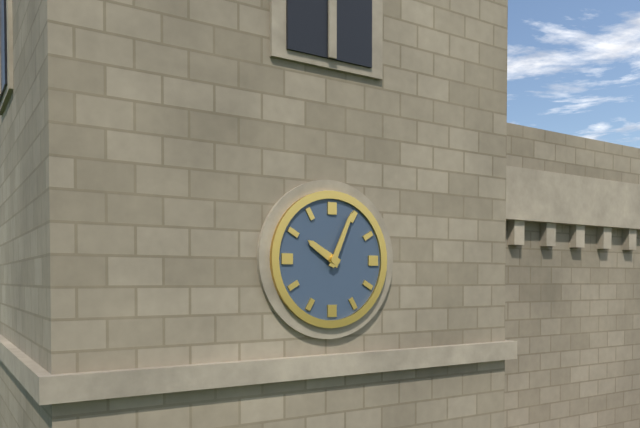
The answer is 10:04
